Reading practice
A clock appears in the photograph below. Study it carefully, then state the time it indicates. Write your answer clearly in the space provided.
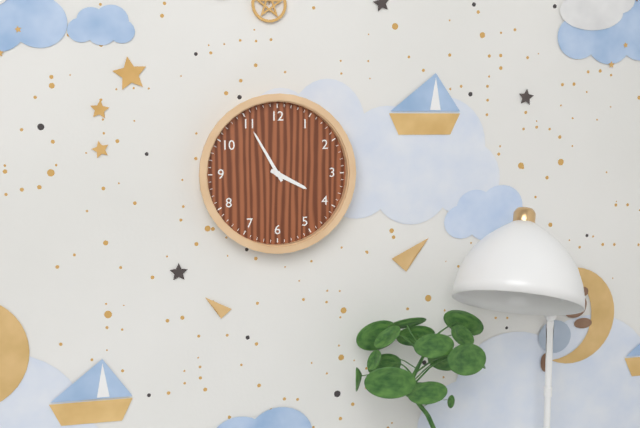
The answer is 3:55
